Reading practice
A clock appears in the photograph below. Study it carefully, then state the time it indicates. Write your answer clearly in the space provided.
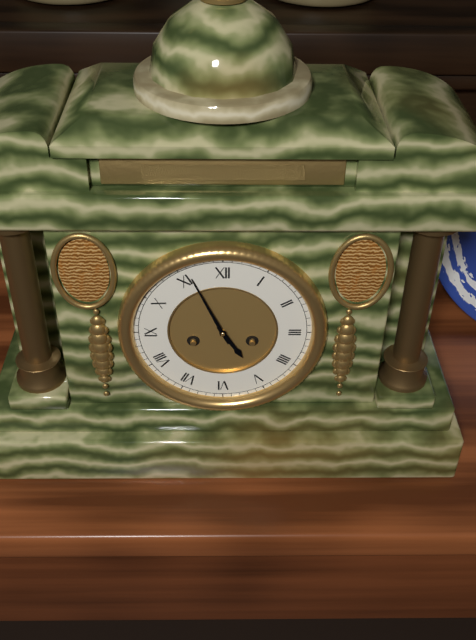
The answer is 4:56
